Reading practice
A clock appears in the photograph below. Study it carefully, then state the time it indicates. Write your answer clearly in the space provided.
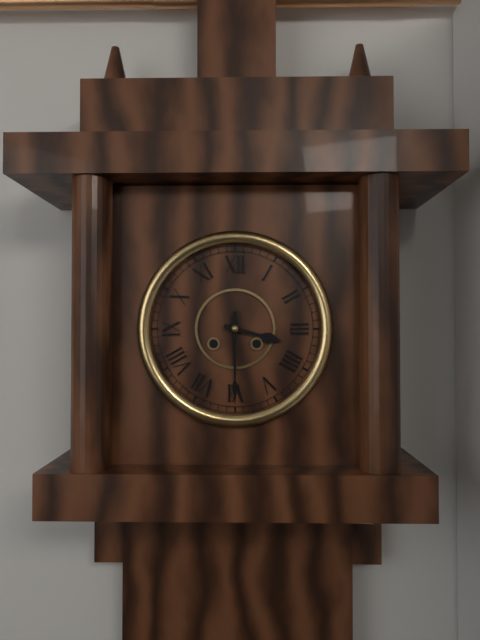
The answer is 3:30
